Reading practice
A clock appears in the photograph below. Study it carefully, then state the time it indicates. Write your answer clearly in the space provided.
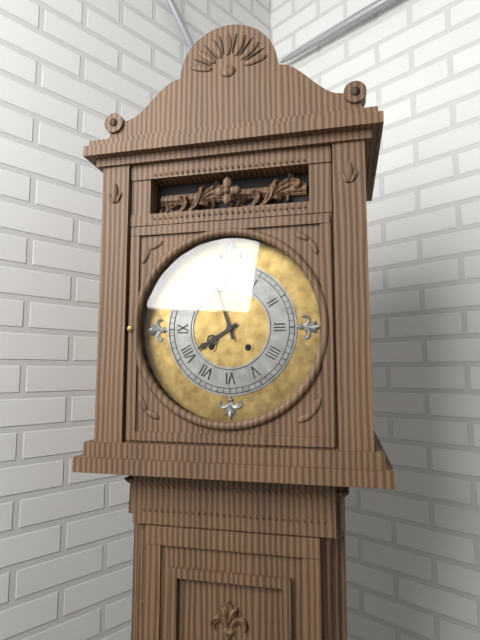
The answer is 7:57
